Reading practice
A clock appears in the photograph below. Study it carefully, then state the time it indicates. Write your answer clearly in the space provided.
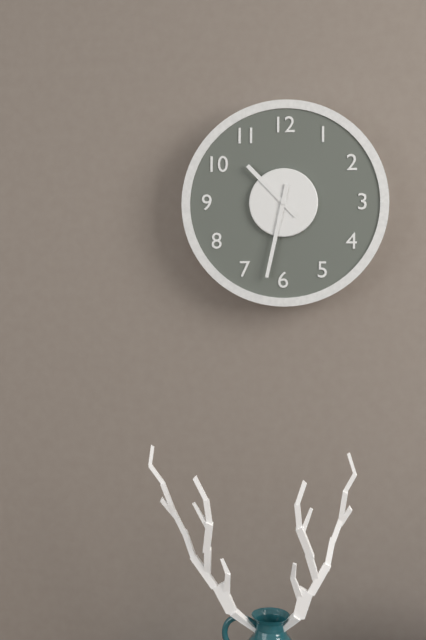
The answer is 10:32
